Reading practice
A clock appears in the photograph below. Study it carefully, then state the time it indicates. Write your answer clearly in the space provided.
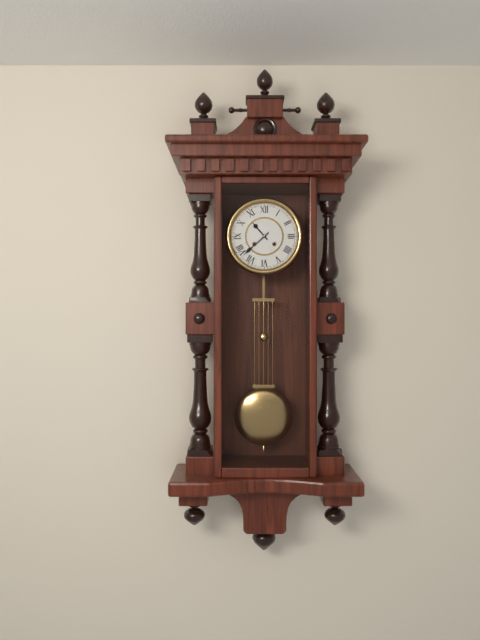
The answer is 10:38
